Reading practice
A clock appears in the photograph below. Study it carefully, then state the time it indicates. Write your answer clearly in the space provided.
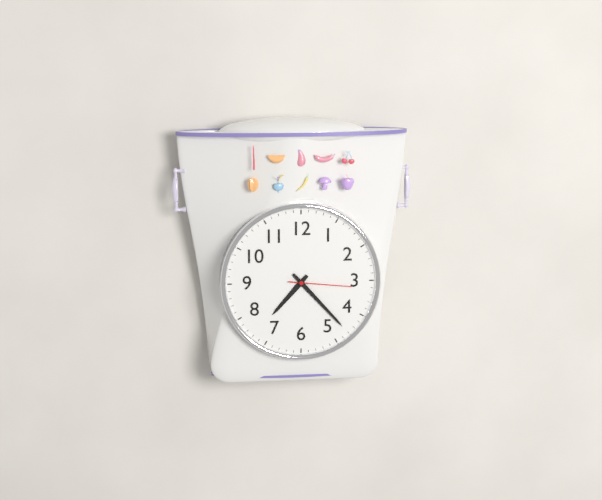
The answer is 7:23:16
